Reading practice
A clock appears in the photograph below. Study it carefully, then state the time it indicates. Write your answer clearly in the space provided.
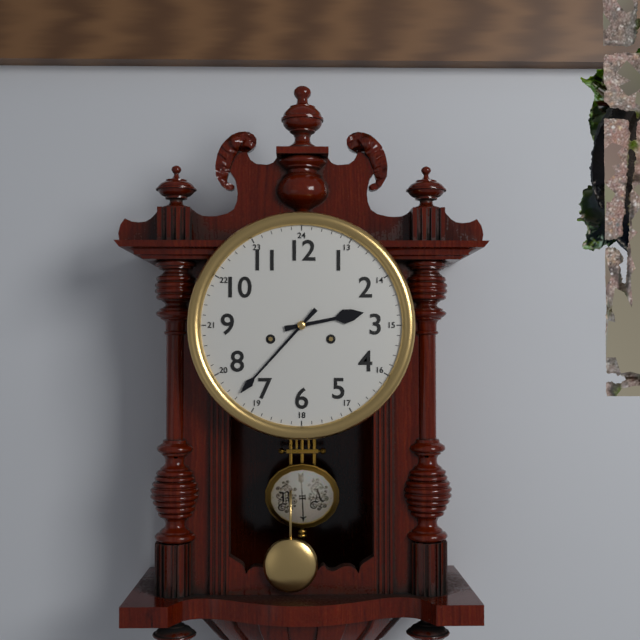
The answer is 2:37
